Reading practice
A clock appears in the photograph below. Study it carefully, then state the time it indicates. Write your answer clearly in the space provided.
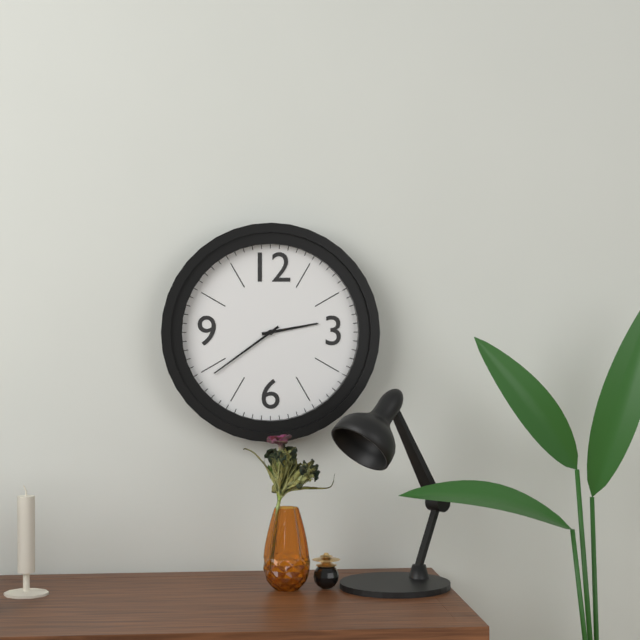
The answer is 2:39
